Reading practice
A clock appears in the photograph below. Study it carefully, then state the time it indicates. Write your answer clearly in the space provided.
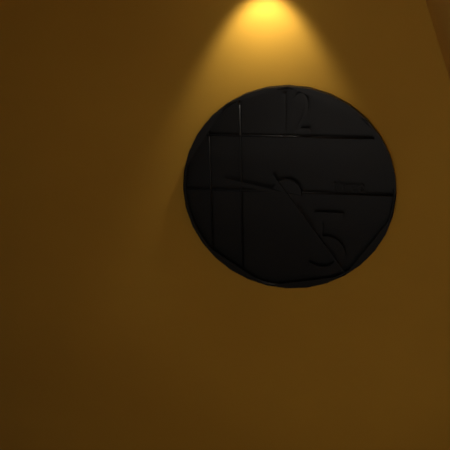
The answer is 9:24
